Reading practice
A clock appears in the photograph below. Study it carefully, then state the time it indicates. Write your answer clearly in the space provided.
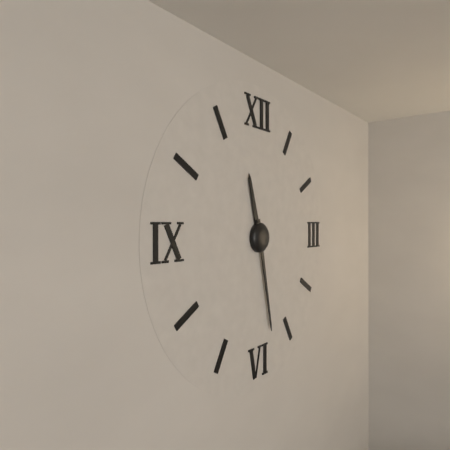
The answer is 11:28
